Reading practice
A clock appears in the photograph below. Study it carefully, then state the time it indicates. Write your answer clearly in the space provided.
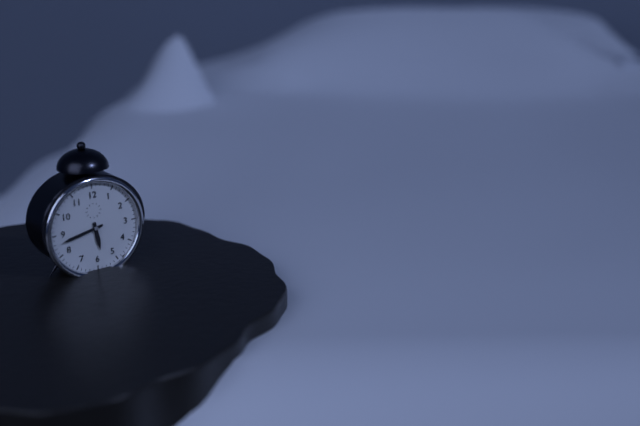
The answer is 5:43
